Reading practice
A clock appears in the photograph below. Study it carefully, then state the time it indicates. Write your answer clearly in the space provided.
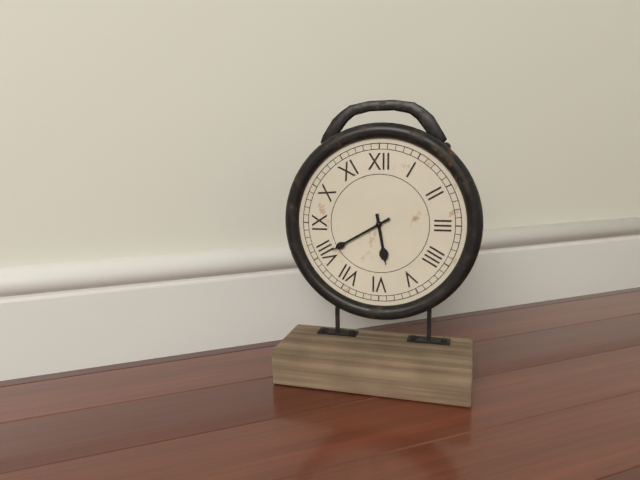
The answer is 5:40
